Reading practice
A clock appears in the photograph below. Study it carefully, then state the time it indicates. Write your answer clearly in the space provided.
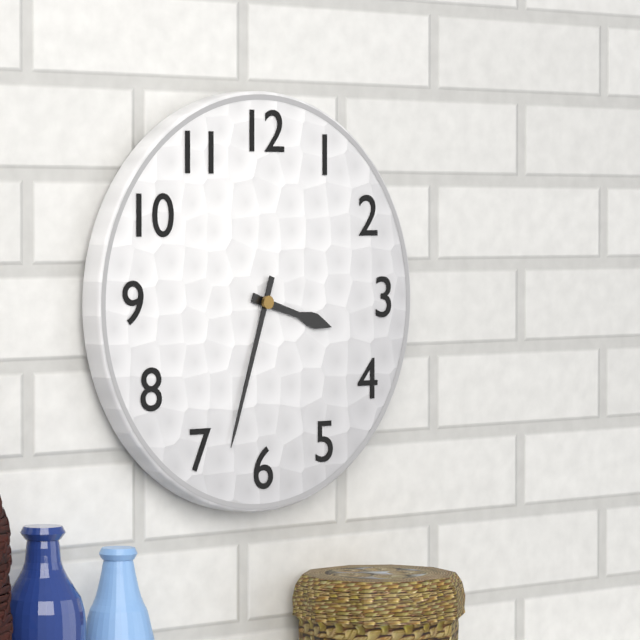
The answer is 3:33
